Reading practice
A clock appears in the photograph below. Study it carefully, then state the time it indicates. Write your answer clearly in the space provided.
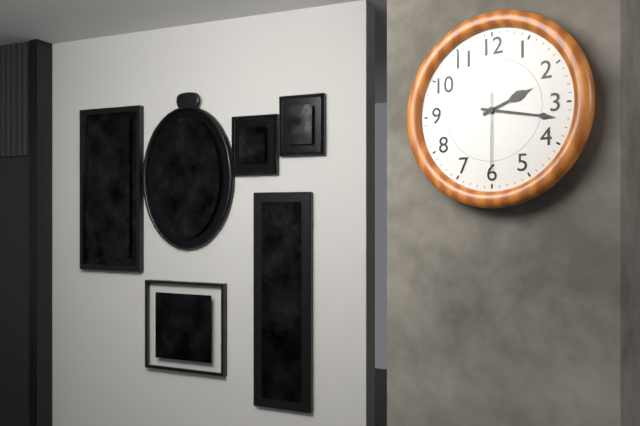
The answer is 2:17:30
